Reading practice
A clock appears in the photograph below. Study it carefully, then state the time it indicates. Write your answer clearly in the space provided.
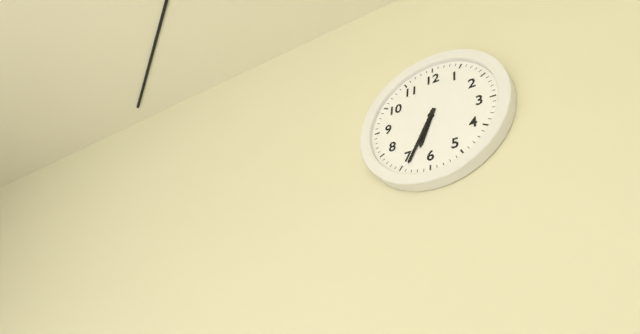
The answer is 6:34
